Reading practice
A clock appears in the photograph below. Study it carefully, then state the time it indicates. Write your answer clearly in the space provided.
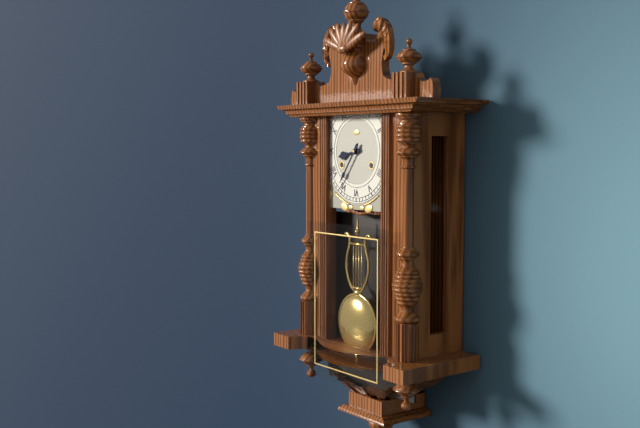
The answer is 8:36
